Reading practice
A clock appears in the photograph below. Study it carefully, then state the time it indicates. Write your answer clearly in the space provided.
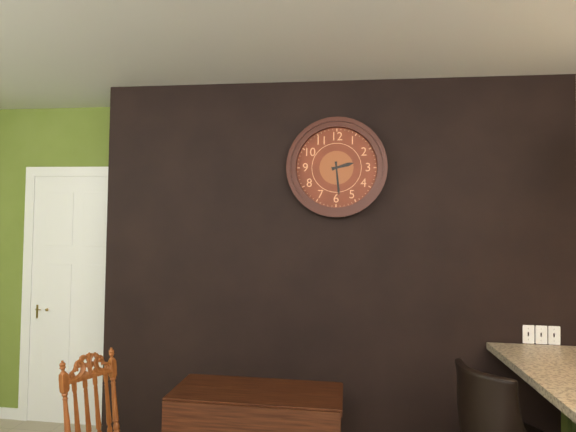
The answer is 2:29
